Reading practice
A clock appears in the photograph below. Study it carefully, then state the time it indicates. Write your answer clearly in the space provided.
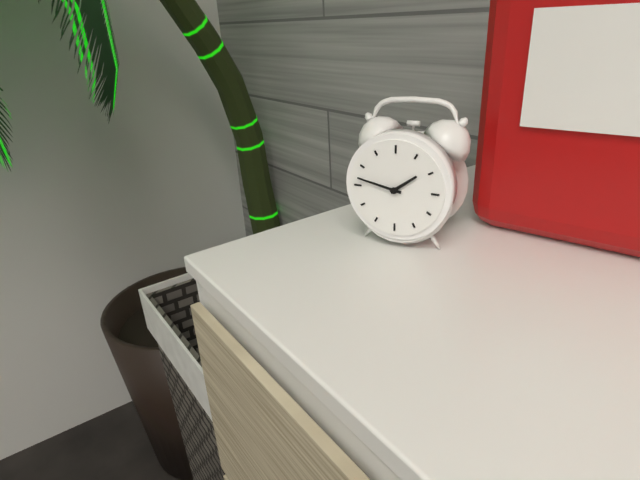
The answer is 1:47
